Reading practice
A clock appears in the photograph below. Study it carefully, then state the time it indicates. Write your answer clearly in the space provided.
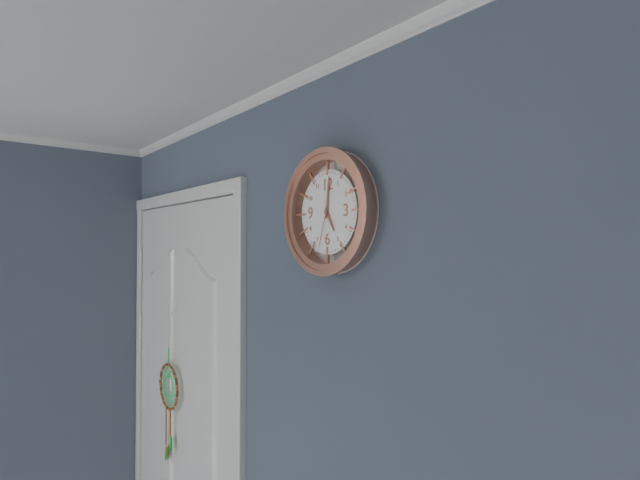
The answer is 5:01
